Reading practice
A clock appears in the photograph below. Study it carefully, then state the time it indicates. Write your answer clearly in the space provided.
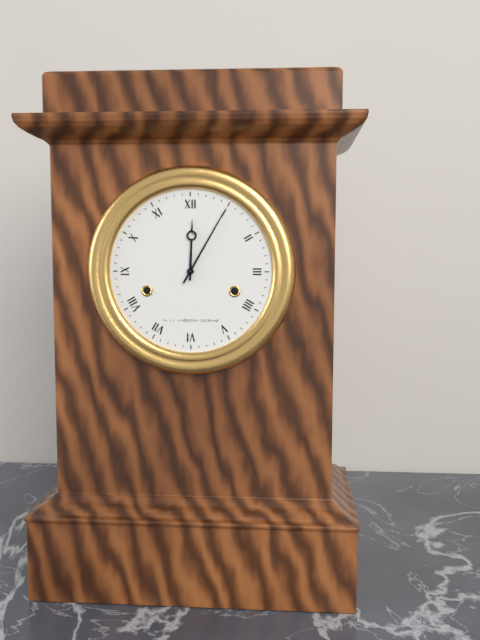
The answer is 12:05
